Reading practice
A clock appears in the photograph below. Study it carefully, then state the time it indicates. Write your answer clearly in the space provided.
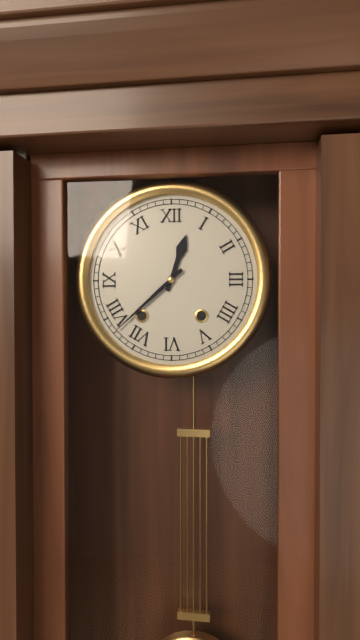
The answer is 12:38
